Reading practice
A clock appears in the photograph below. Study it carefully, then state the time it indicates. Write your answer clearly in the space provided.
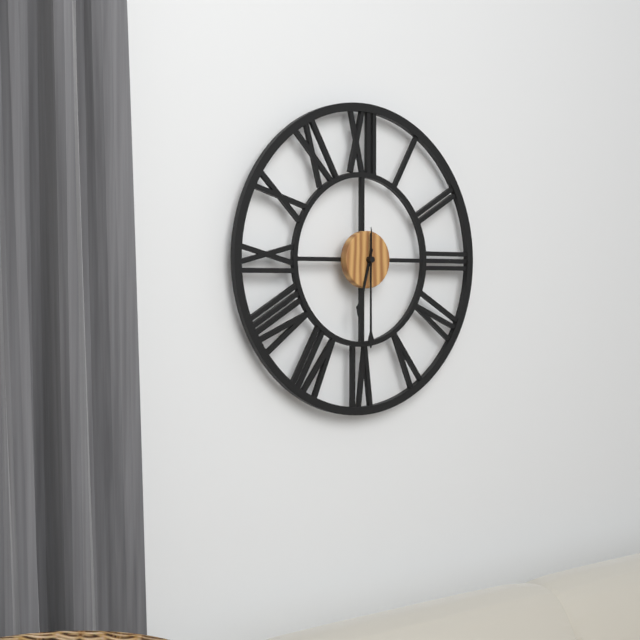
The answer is 6:30
